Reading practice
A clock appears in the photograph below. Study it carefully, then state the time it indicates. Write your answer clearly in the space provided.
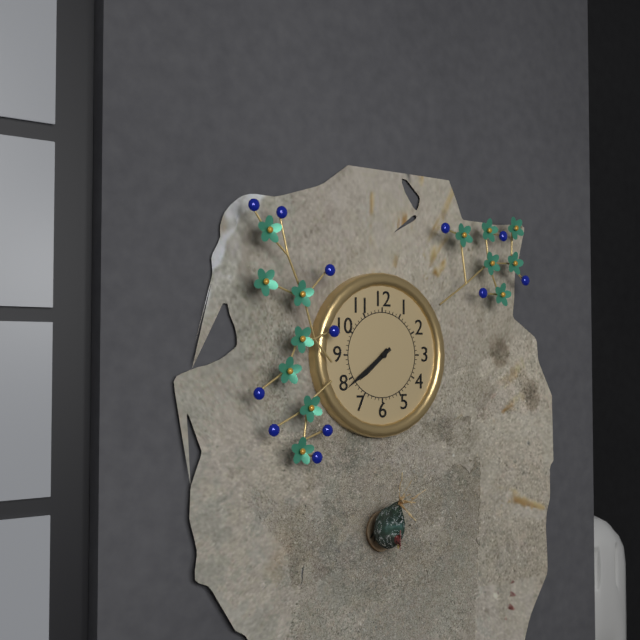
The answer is 7:39
